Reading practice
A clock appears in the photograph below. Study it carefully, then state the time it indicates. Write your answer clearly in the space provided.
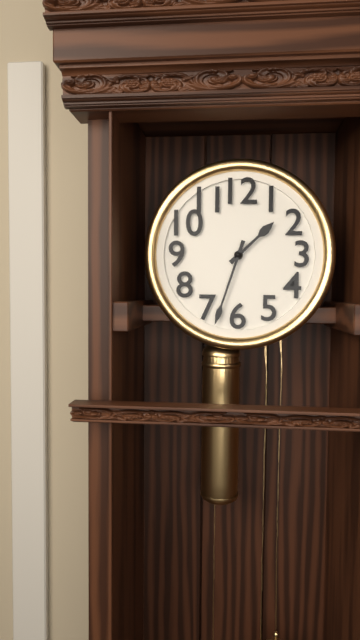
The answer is 1:33
